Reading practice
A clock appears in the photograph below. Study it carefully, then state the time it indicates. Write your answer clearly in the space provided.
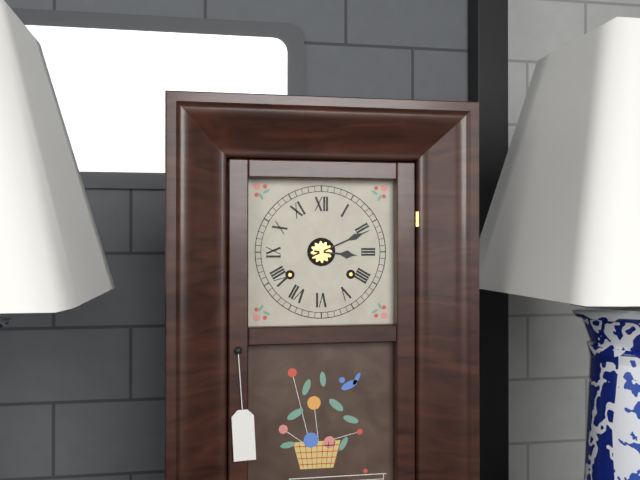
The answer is 3:11
